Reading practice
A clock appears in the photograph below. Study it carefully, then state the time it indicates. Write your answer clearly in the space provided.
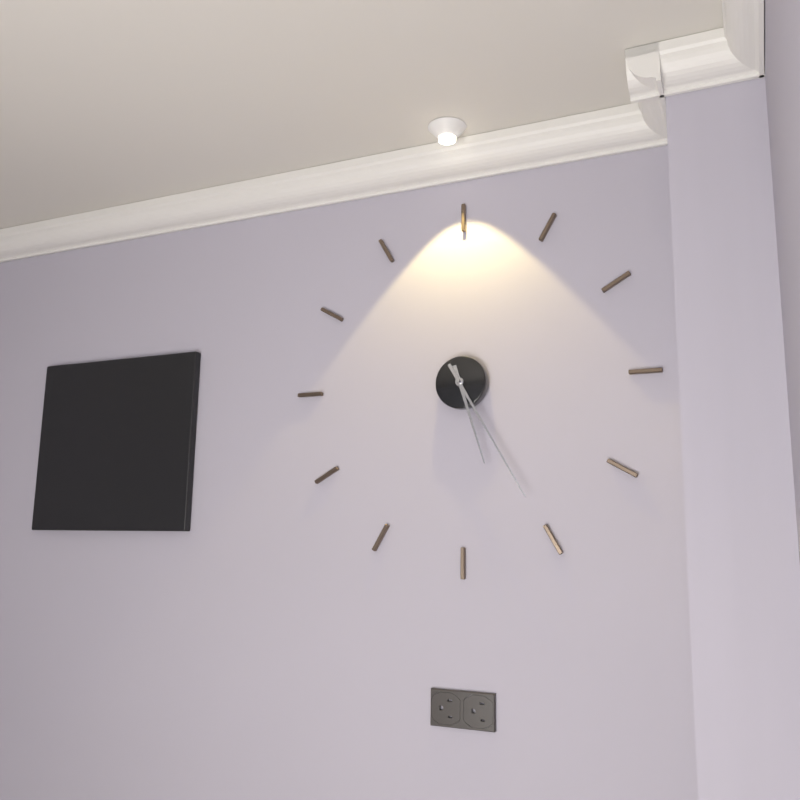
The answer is 5:25
